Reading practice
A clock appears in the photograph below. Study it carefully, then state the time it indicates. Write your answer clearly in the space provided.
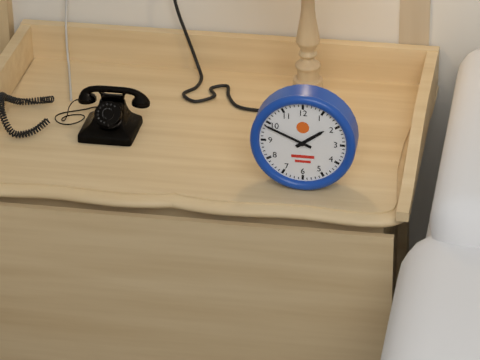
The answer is 1:49
